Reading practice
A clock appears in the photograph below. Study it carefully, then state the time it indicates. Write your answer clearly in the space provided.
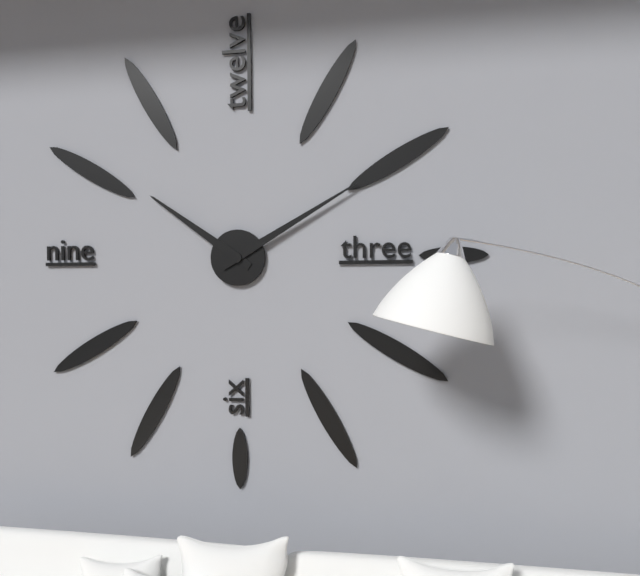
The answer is 10:10
